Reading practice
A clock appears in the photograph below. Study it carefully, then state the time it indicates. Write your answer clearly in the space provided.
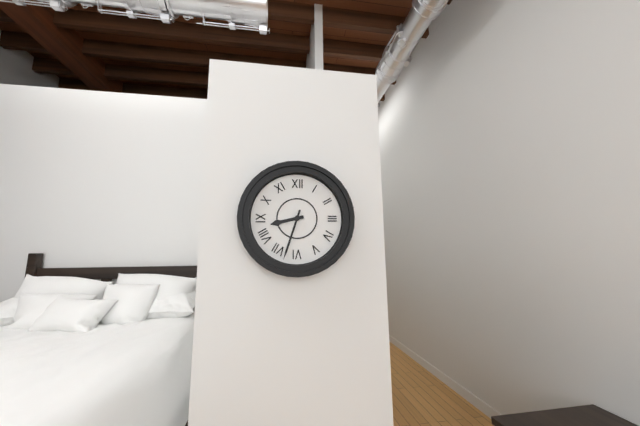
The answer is 8:33
